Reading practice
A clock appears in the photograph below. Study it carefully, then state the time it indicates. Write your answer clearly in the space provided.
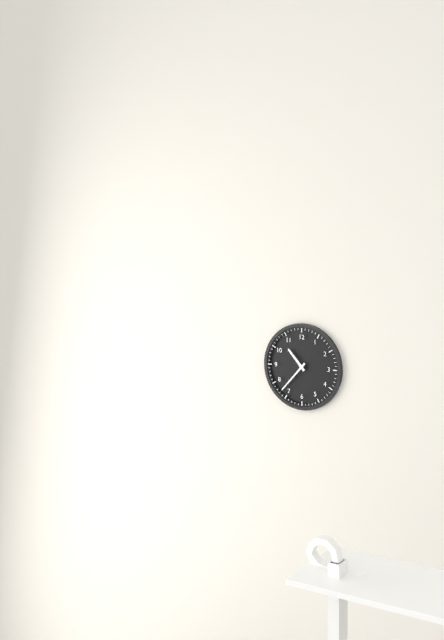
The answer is 10:37
